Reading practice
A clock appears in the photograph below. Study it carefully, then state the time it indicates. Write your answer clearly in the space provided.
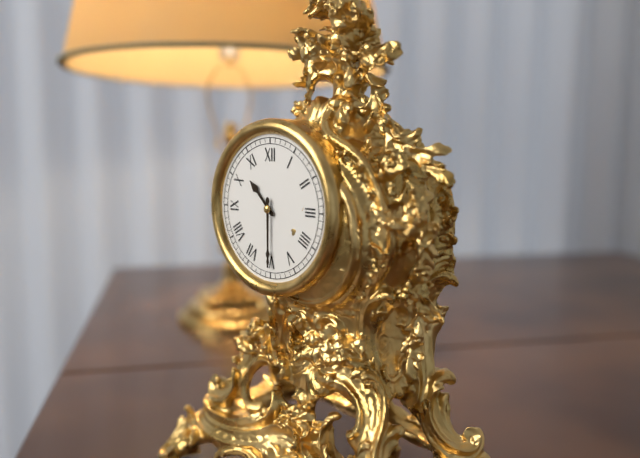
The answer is 10:30
